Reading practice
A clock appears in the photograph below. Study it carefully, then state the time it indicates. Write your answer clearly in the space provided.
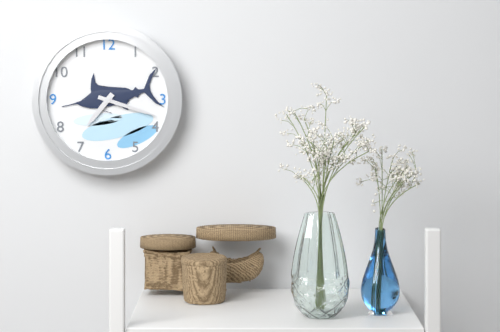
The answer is 7:18
